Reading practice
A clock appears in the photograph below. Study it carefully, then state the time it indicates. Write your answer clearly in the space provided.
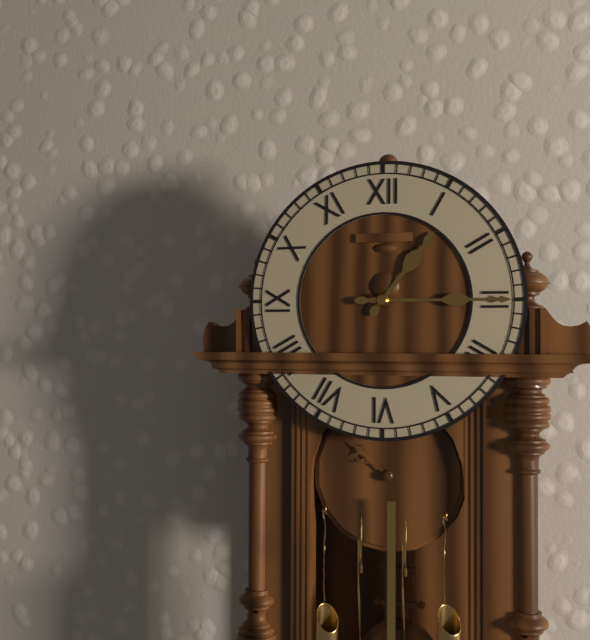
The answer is 1:15
